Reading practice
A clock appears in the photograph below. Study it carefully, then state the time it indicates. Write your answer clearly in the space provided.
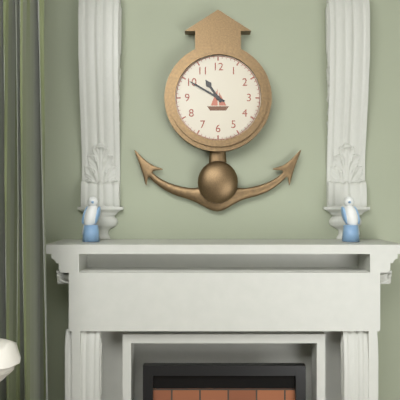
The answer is 10:50
